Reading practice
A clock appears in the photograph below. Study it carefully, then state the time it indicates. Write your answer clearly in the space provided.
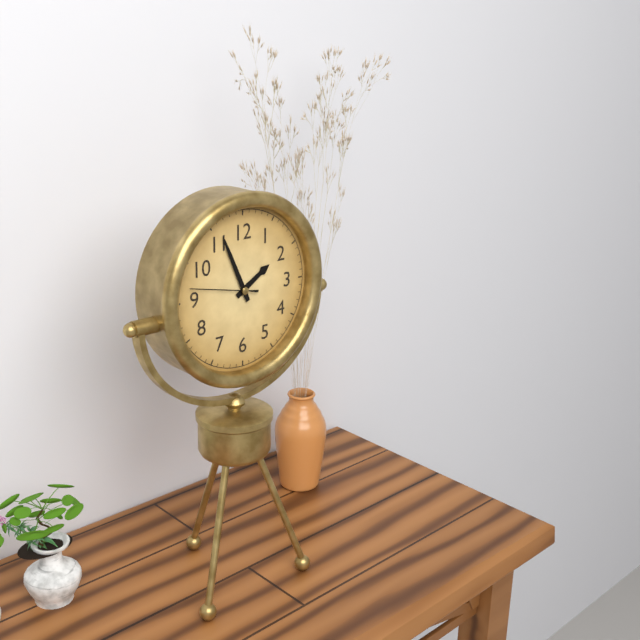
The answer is 1:56:47
